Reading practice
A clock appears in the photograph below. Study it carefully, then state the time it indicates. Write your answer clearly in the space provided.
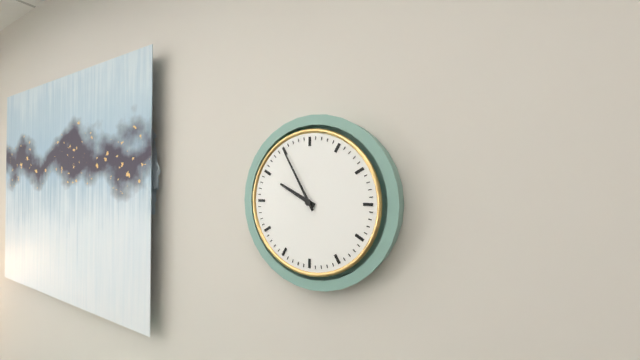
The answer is 9:55
